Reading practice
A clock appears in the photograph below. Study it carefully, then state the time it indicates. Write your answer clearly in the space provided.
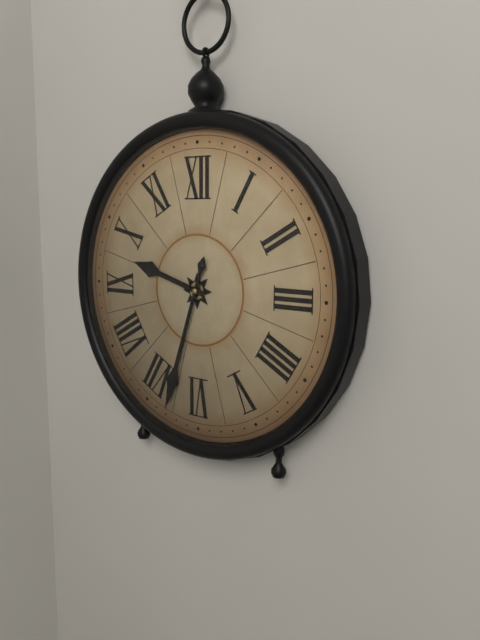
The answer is 9:33
